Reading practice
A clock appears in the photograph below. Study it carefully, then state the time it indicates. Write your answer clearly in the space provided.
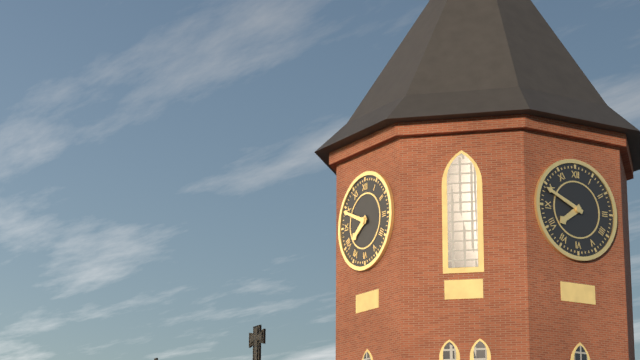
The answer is 7:49
